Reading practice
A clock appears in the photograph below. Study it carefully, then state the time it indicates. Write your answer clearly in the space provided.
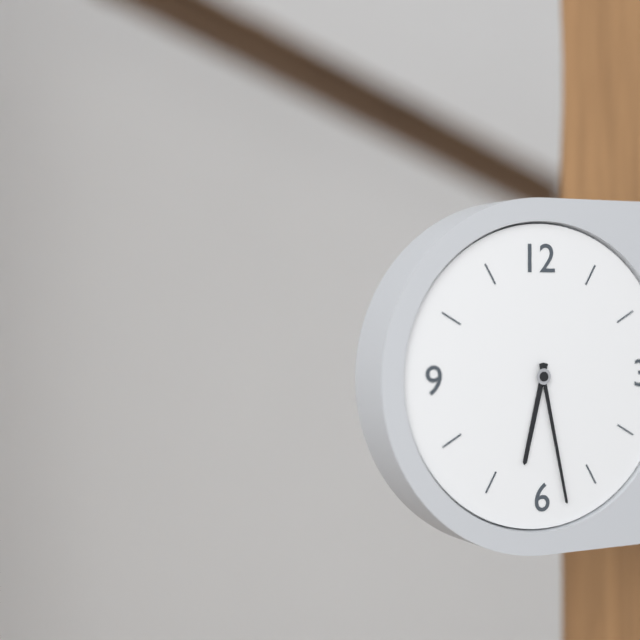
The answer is 6:28
